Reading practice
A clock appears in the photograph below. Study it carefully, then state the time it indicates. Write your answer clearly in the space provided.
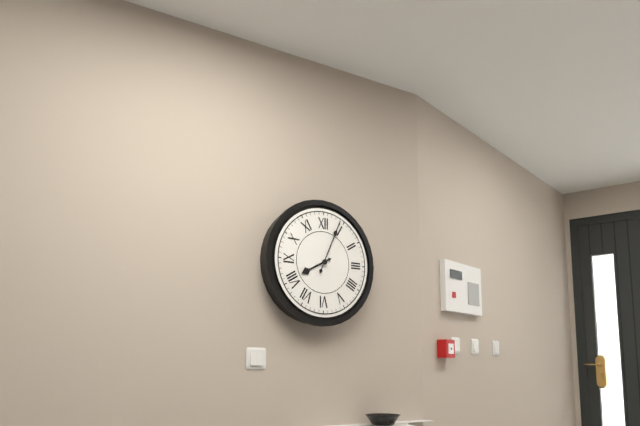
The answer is 8:04
